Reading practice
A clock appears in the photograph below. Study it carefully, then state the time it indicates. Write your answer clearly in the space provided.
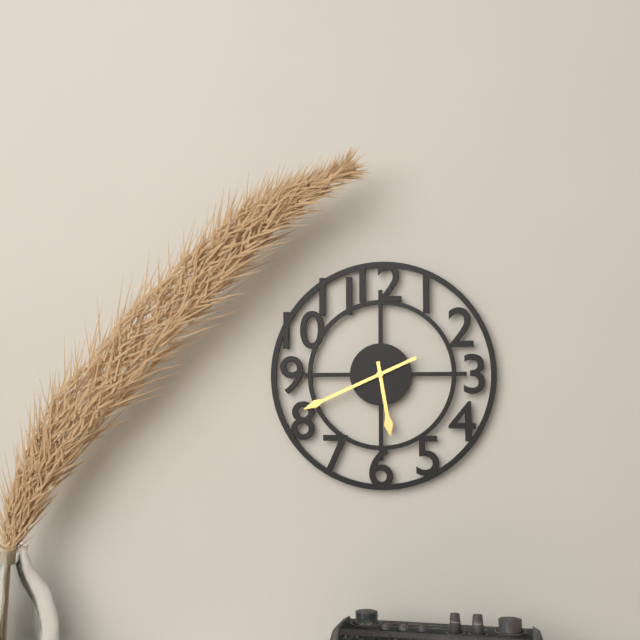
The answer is 5:41
